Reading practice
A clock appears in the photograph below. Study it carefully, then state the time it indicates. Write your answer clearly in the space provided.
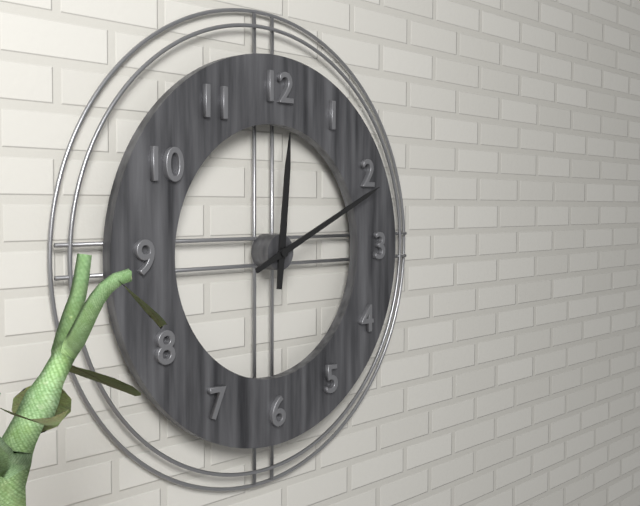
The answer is 12:11
